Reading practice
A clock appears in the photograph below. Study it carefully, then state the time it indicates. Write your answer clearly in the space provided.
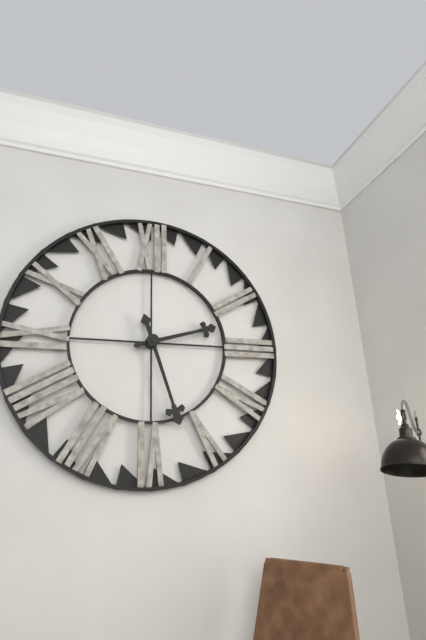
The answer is 2:27
